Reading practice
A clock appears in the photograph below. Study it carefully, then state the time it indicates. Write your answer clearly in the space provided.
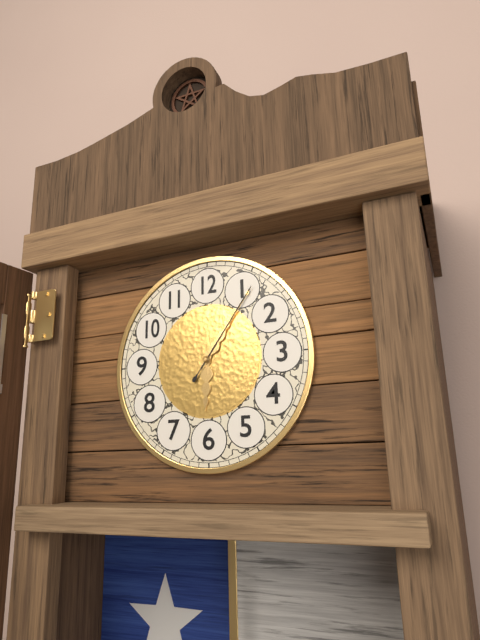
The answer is 6:06:06
